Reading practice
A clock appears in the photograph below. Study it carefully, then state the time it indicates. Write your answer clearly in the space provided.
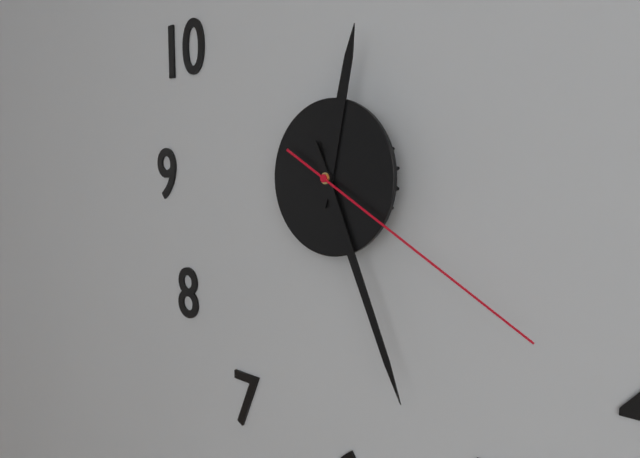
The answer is 12:26:20
